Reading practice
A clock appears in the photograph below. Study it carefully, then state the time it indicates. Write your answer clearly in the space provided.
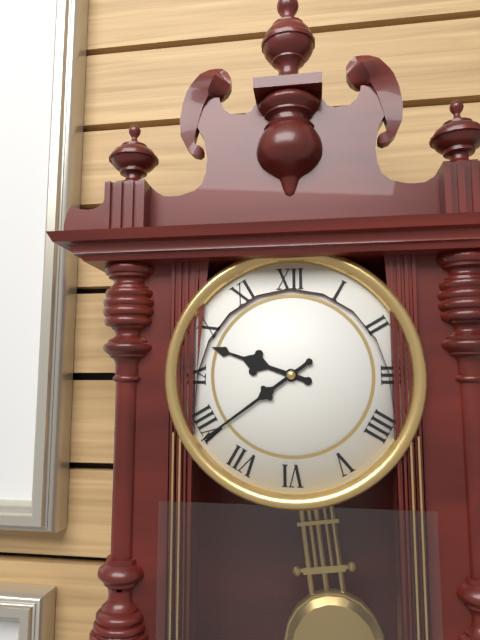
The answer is 9:39
